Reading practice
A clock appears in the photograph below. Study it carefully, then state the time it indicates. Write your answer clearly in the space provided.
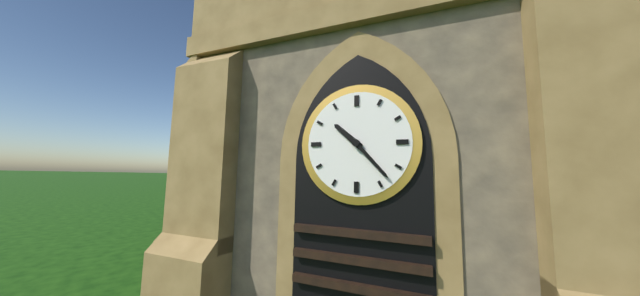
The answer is 10:23
